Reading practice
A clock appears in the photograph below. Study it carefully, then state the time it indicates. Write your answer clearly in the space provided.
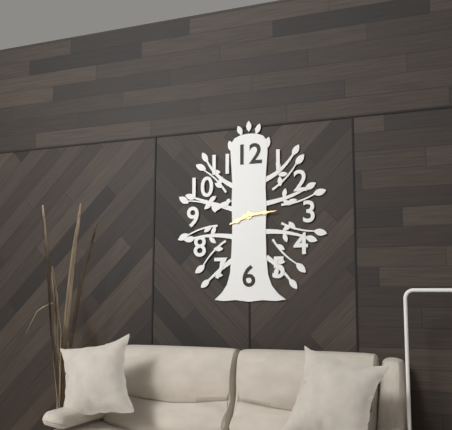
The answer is 8:14
